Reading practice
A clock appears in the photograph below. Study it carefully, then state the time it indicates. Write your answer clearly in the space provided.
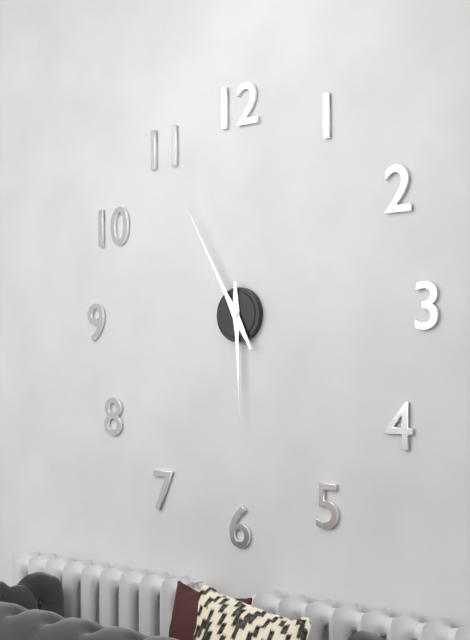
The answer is 5:55
